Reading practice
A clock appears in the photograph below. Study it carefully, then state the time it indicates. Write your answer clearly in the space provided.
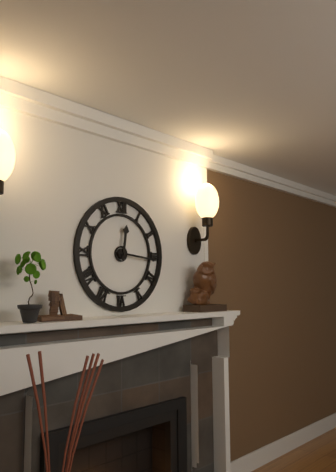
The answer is 12:16
